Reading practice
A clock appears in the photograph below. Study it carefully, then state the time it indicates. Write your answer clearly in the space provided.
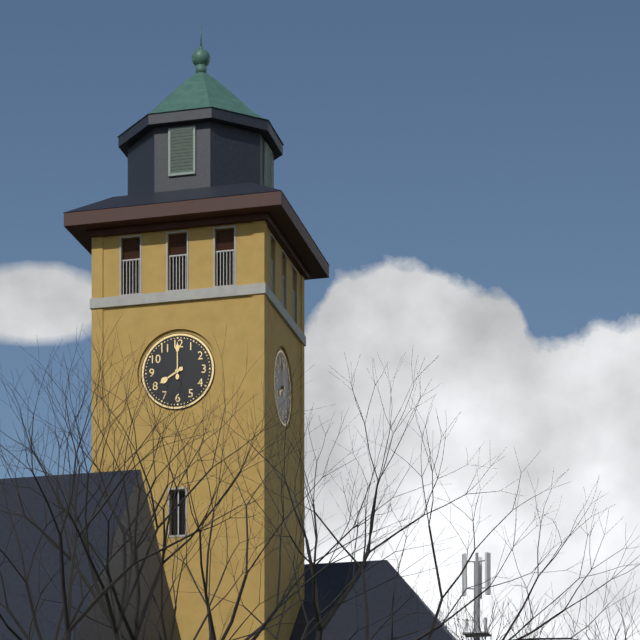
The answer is 8:00
